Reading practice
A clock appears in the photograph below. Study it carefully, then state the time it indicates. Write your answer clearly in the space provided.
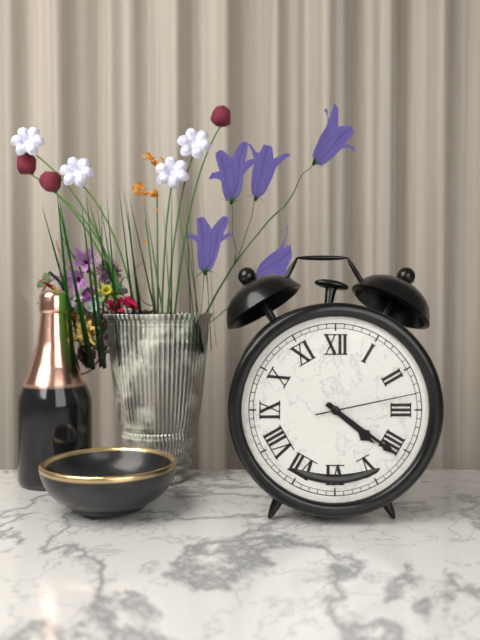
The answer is 4:21:13
